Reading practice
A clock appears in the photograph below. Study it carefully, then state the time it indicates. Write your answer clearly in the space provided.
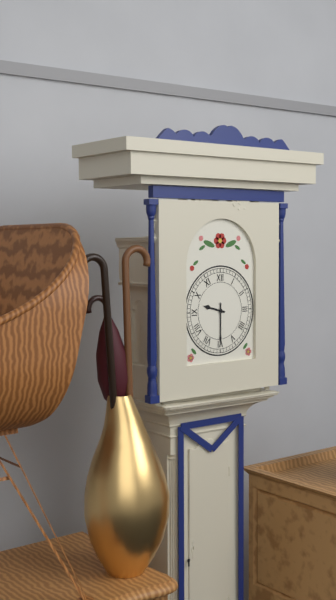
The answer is 9:30
